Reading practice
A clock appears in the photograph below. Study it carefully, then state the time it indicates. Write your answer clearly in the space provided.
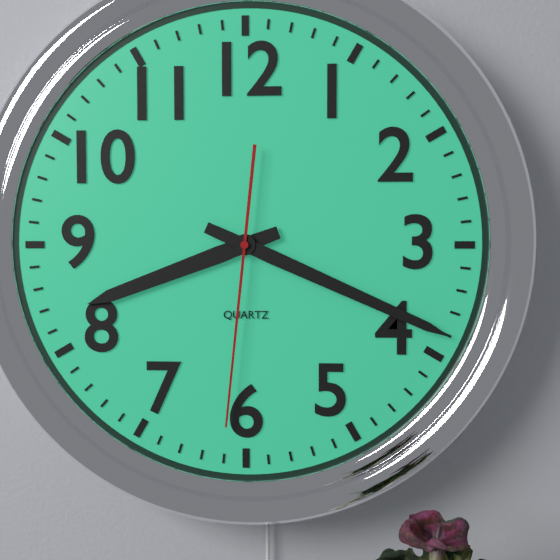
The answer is 8:19:31
